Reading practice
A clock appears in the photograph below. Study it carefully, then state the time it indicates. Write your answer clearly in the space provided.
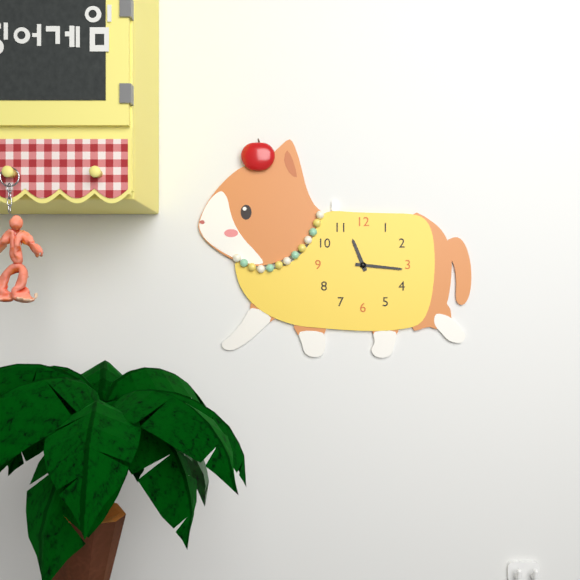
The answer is 11:16
